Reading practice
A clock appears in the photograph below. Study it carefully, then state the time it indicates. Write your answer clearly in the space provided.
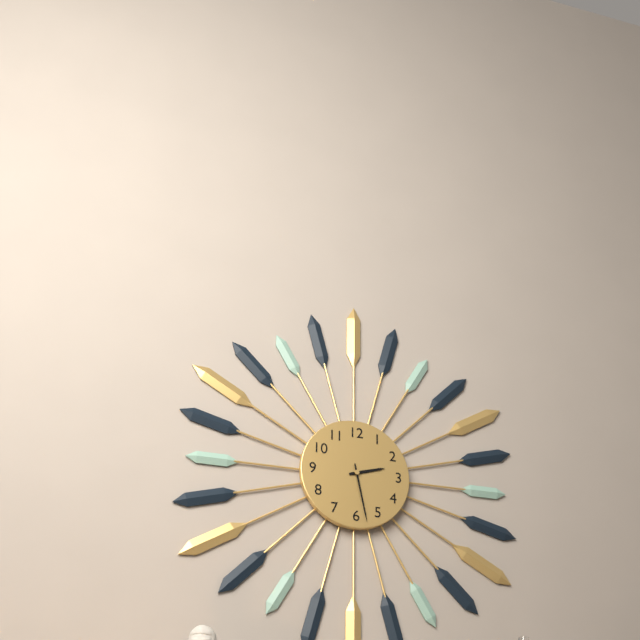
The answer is 2:28
